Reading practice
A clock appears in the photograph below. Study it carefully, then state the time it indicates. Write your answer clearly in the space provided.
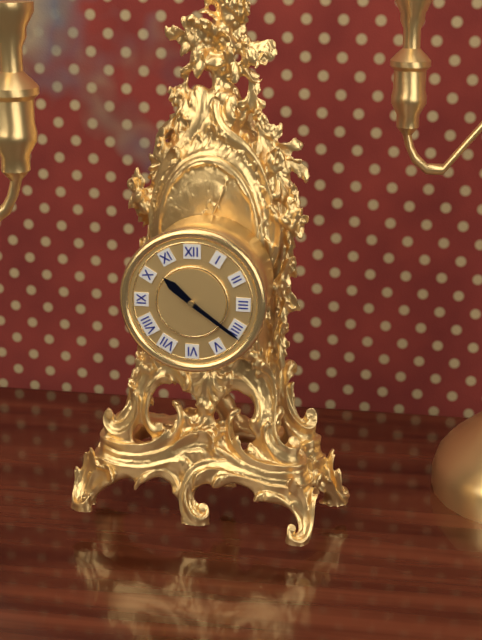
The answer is 10:21
